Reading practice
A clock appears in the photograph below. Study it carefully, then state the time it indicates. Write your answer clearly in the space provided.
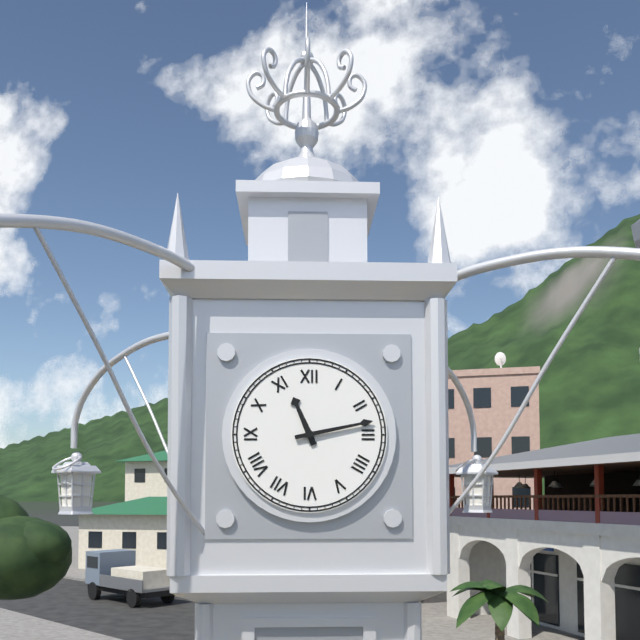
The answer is 11:13
